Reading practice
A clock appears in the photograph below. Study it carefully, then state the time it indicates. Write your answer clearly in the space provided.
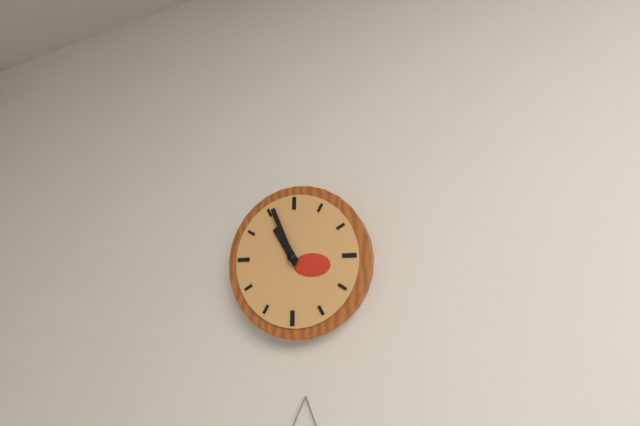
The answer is 10:56
